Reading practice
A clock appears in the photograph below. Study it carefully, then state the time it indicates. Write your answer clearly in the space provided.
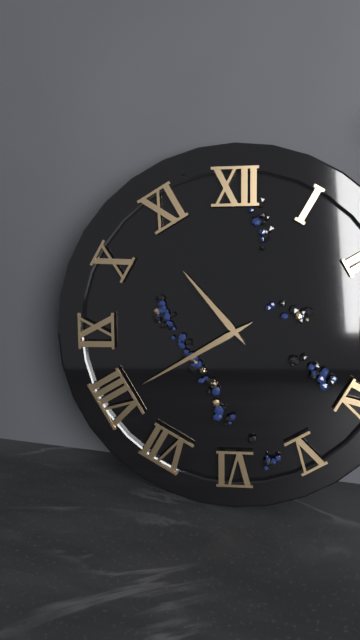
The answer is 10:40
